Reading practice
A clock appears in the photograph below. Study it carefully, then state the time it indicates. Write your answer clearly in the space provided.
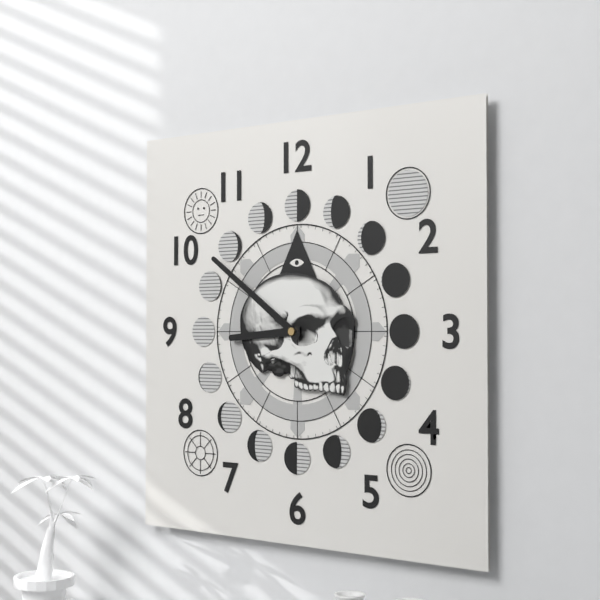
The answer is 8:51
